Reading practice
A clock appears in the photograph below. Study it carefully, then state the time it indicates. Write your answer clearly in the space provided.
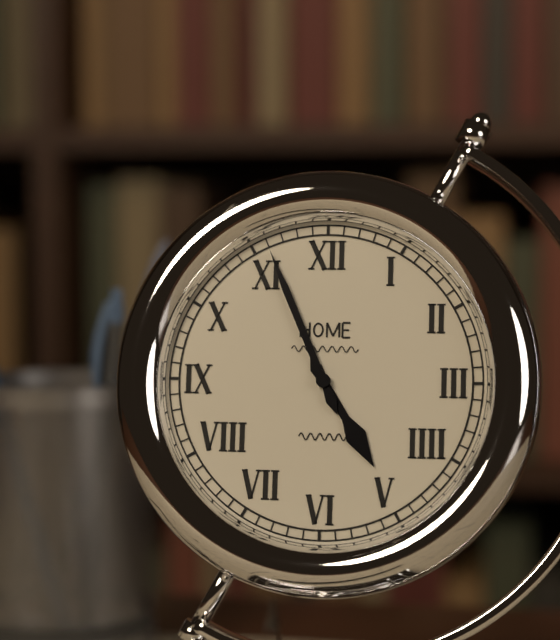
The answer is 4:56
